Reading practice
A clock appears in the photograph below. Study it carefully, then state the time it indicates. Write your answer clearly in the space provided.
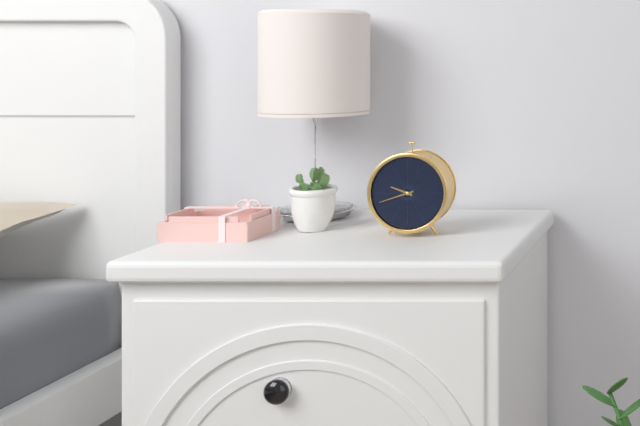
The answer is 9:42
